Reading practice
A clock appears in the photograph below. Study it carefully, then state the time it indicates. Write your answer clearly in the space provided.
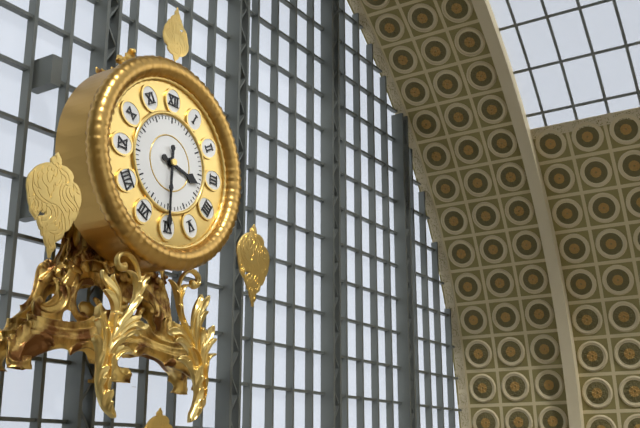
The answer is 3:30
